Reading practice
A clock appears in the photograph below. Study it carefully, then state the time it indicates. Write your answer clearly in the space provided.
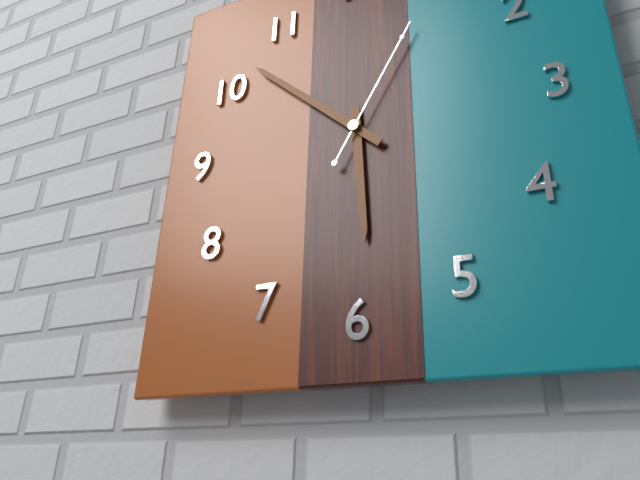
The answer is 5:52:05
